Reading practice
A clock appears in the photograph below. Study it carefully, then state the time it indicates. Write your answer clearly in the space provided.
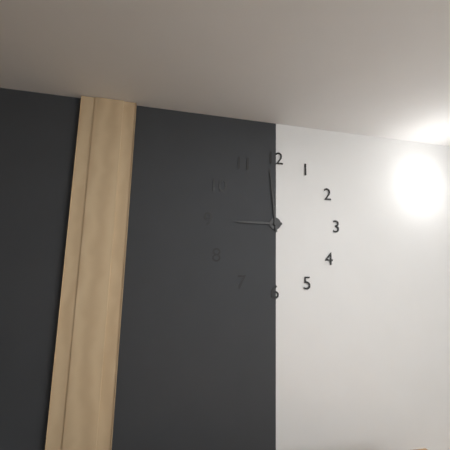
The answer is 8:59
